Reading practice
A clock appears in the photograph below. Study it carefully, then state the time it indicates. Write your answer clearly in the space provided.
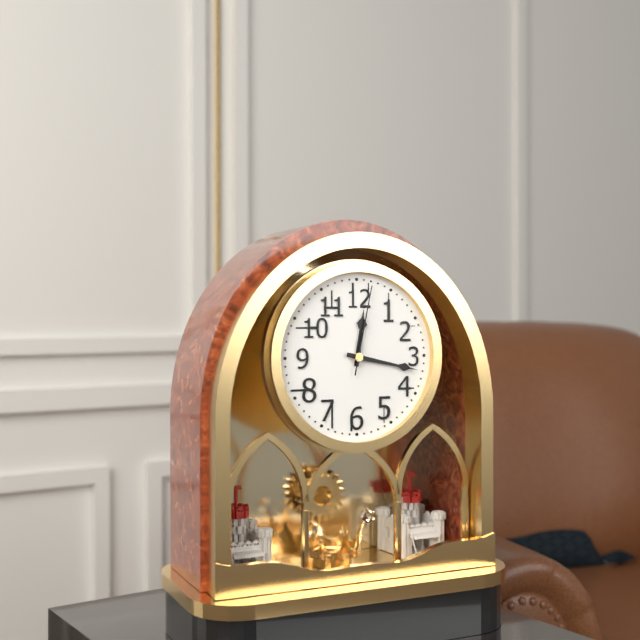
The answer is 12:17:02
